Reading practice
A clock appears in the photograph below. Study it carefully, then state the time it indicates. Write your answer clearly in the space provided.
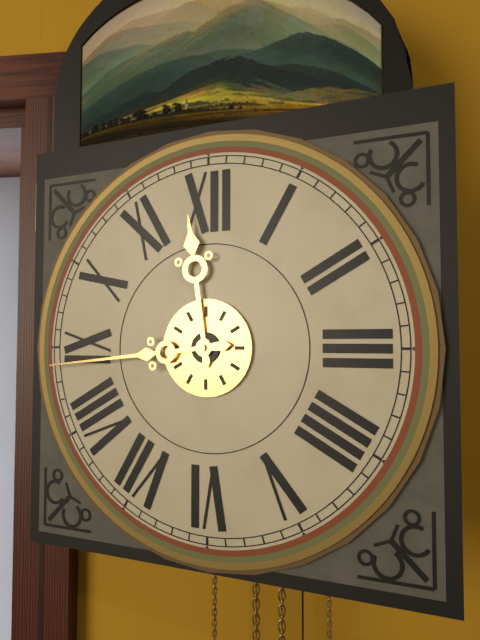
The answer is 11:44
